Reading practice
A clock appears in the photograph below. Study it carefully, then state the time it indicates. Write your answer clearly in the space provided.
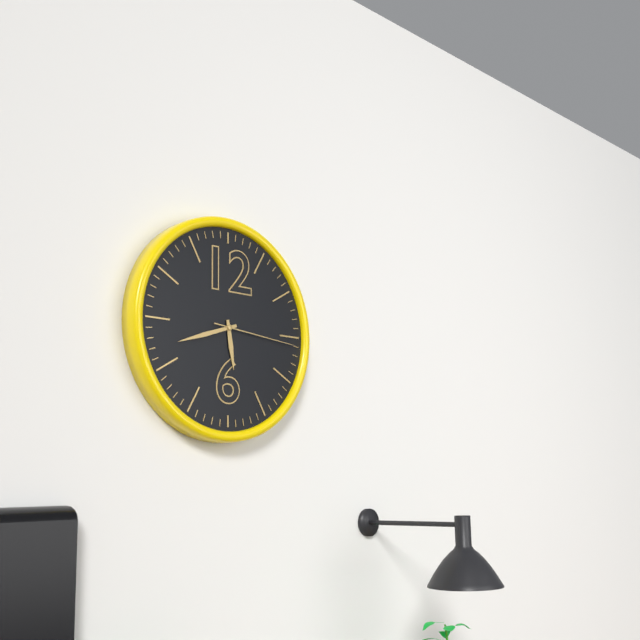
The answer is 5:42:16
